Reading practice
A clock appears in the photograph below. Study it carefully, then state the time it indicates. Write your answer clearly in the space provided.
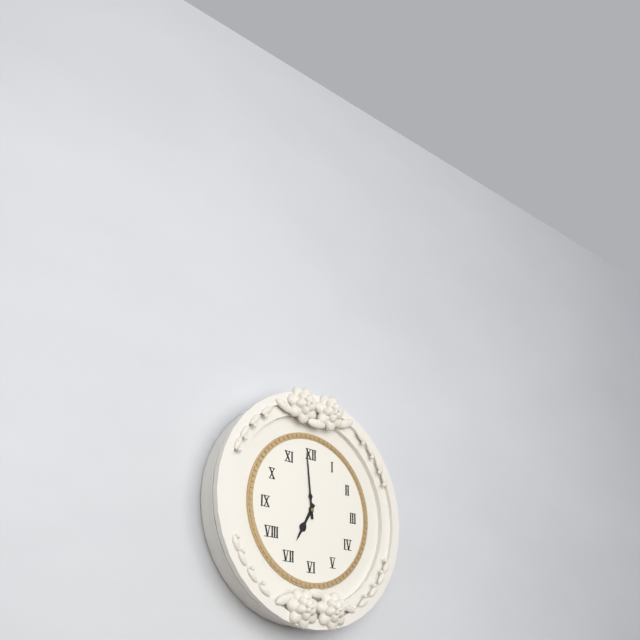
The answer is 6:59
